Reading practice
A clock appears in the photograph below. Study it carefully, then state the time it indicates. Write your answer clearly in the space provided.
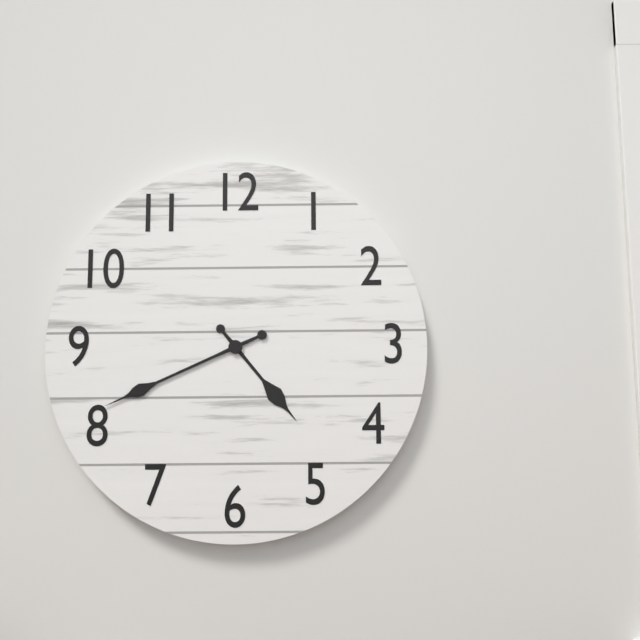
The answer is 4:41
